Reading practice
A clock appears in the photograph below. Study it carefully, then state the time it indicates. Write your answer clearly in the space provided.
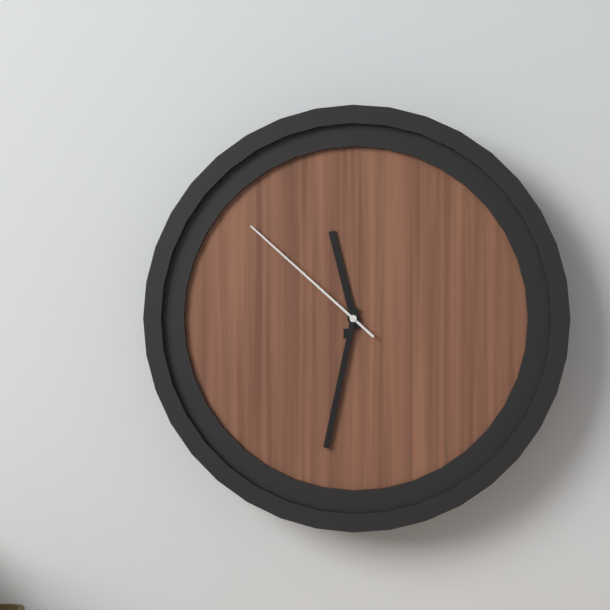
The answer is 11:32:52
